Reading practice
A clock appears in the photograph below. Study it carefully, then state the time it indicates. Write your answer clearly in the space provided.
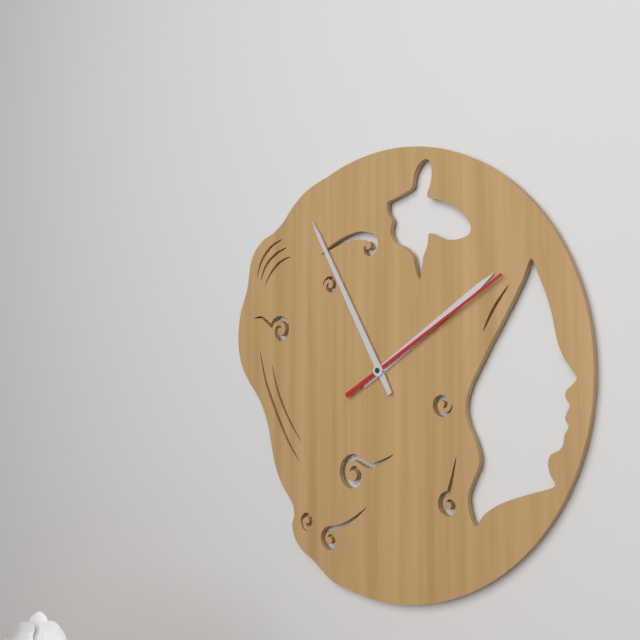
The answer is 1:55:10
